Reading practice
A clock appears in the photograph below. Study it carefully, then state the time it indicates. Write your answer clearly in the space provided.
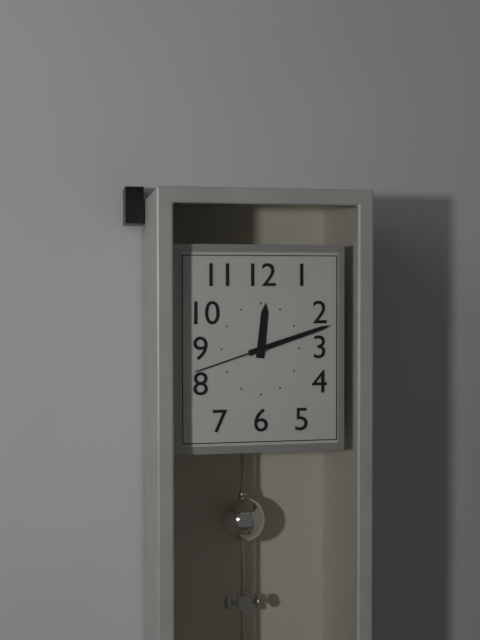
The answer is 12:12:42
